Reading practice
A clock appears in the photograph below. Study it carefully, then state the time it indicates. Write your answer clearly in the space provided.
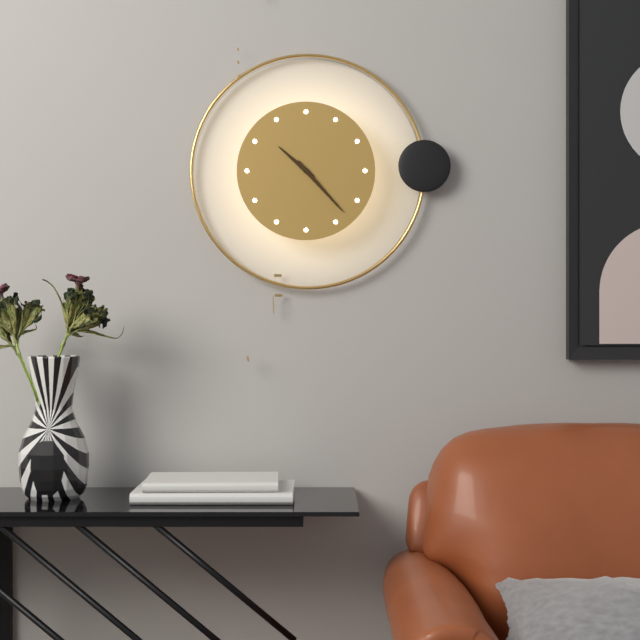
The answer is 10:23
